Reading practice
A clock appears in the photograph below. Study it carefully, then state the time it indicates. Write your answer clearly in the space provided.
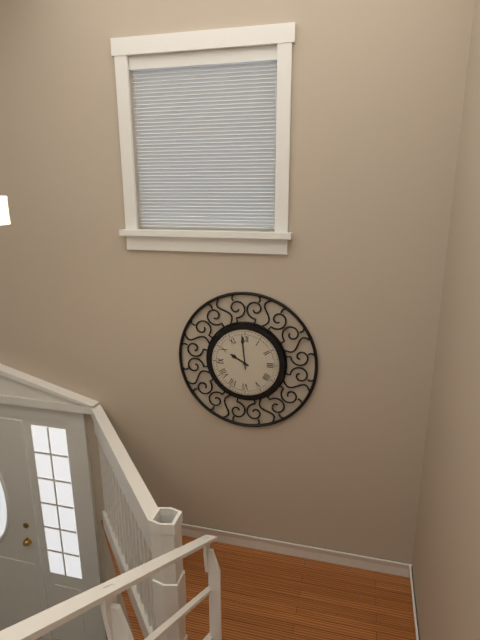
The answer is 9:59
